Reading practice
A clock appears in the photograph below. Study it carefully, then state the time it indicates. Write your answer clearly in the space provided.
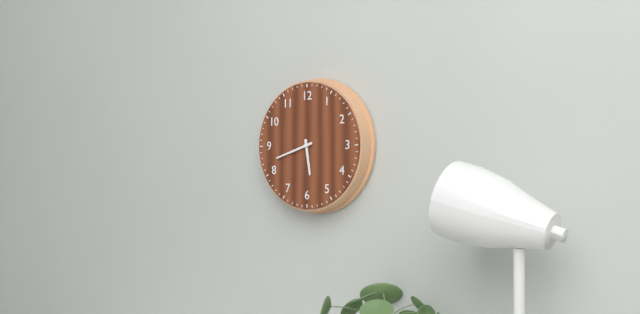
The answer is 5:42
